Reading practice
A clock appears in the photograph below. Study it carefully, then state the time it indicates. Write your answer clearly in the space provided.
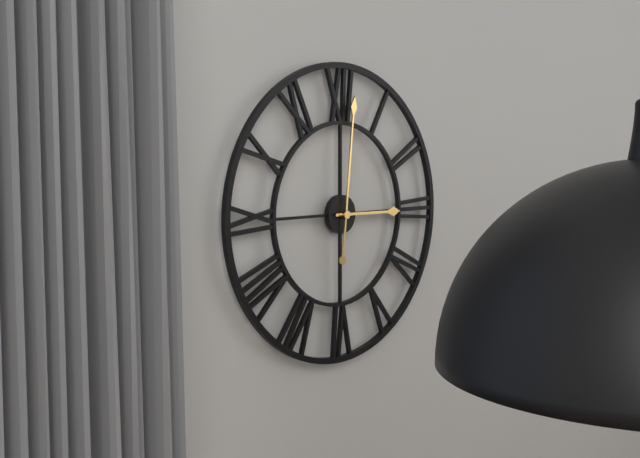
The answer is 3:01
